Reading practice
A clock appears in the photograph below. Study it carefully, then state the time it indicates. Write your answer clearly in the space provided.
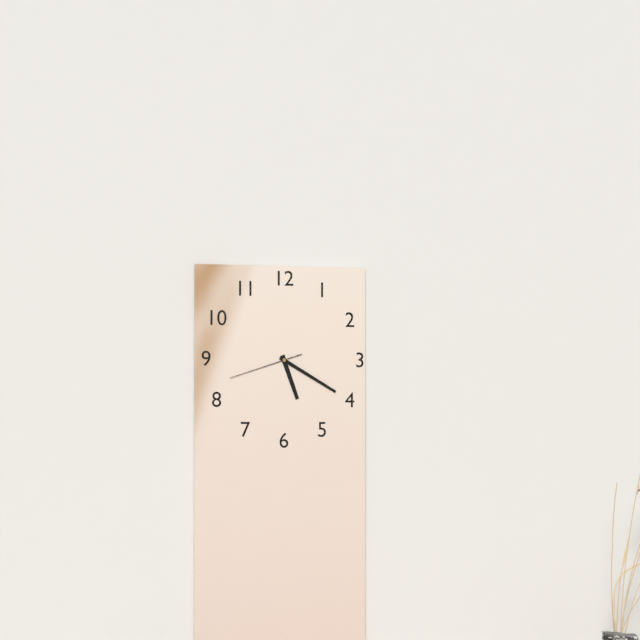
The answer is 5:20:42
